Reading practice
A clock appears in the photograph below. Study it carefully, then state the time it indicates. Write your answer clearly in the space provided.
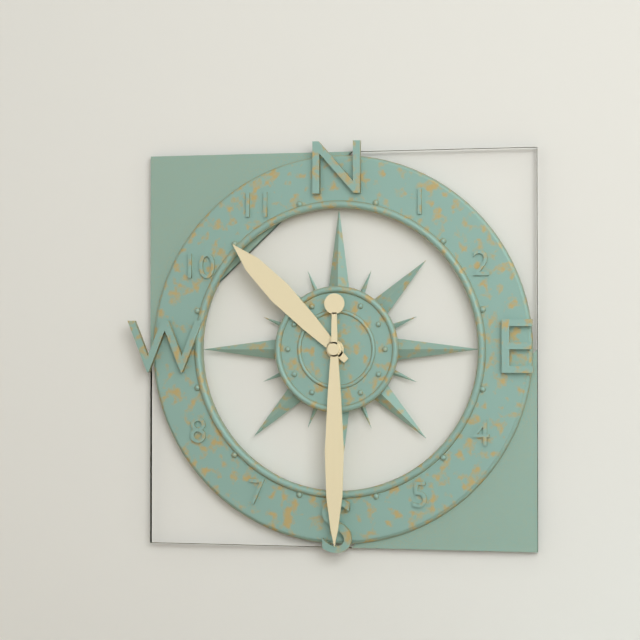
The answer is 10:30
